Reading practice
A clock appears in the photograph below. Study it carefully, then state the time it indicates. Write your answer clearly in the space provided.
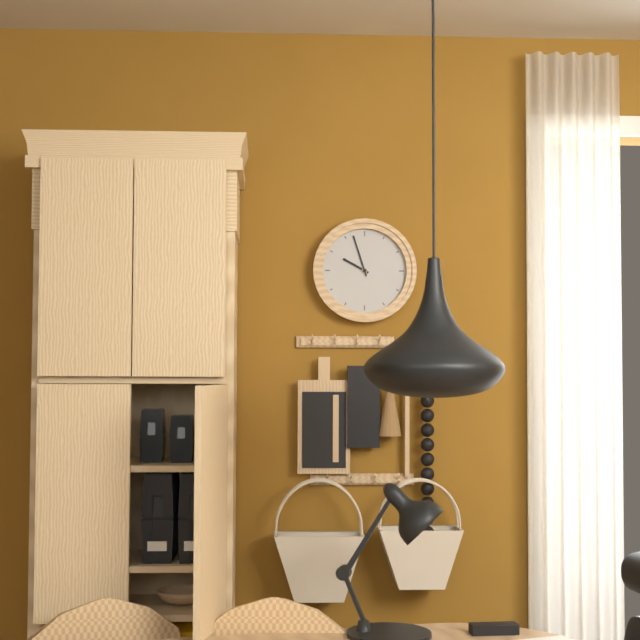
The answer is 9:57
